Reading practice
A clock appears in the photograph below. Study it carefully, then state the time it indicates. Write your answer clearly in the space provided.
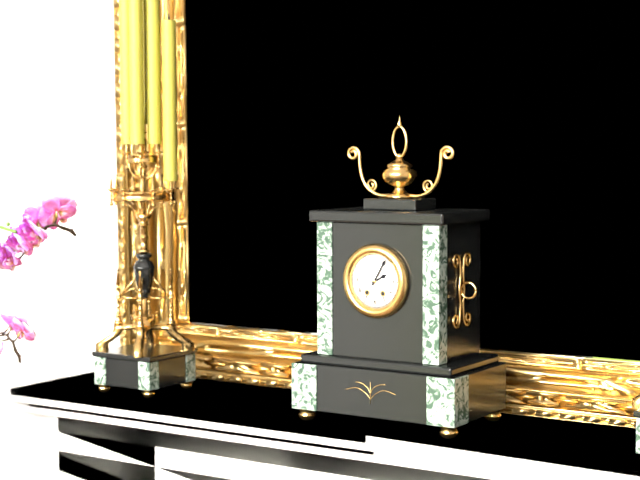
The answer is 2:05
